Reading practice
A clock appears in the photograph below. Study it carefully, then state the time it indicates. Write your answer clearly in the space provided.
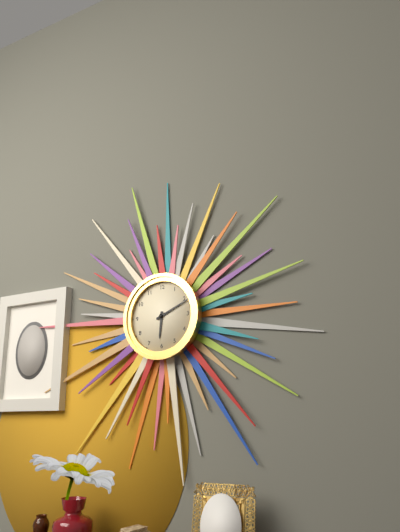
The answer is 6:11
